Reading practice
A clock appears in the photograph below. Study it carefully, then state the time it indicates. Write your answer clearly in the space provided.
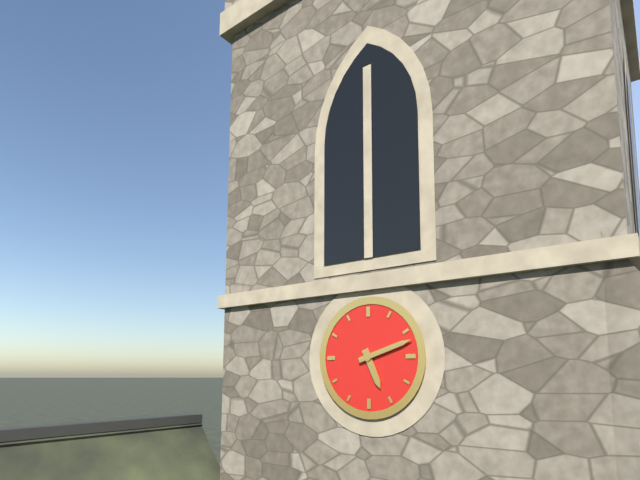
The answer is 5:12
